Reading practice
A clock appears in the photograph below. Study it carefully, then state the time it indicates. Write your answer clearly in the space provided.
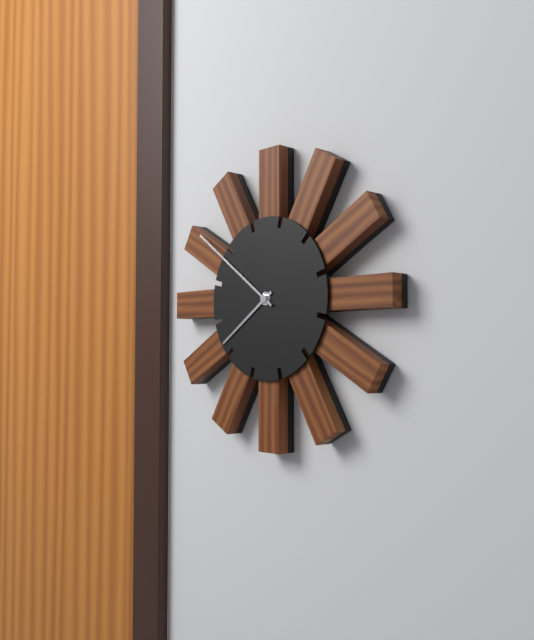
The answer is 7:51
